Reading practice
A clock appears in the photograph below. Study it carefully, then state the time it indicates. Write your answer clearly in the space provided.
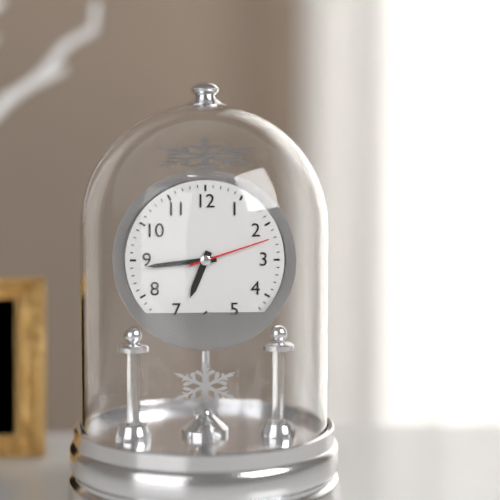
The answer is 6:44:12
